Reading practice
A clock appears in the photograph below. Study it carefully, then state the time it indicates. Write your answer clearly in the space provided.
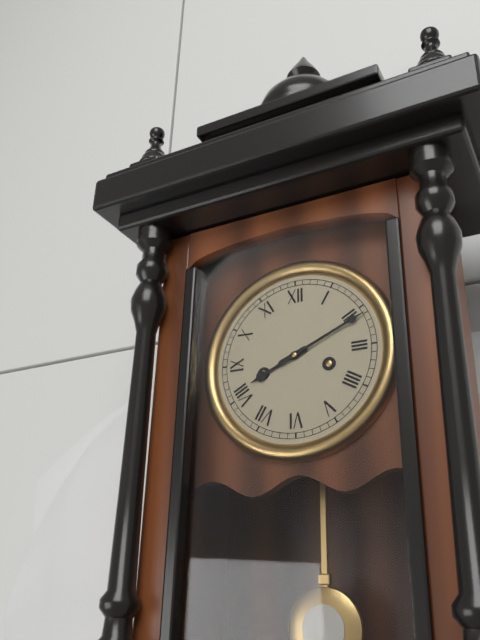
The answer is 8:11
